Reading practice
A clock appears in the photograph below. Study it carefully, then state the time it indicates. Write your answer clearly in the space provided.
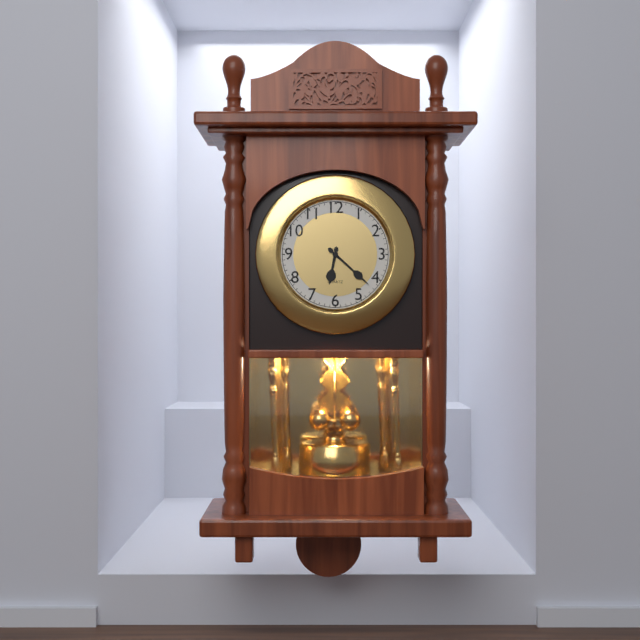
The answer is 6:22
